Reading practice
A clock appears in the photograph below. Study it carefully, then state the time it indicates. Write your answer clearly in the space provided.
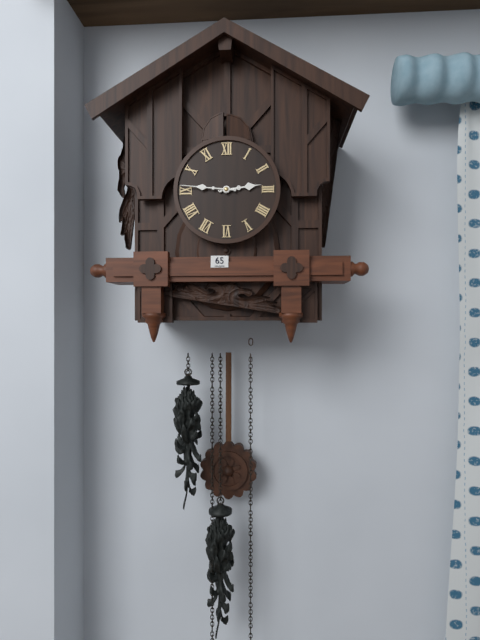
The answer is 2:46
